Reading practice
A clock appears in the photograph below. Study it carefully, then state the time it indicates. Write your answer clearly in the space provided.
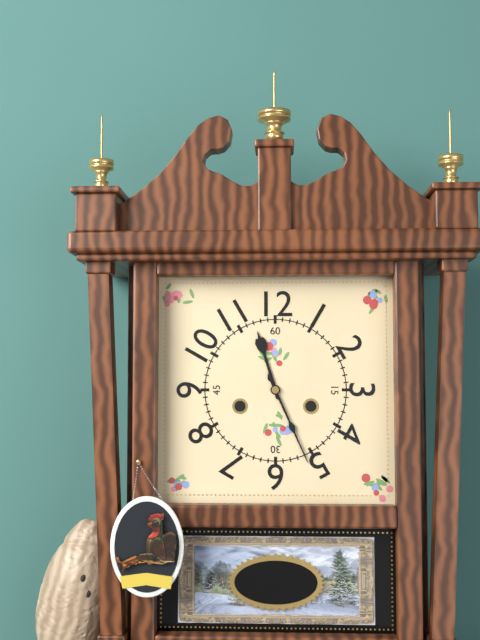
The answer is 11:26
